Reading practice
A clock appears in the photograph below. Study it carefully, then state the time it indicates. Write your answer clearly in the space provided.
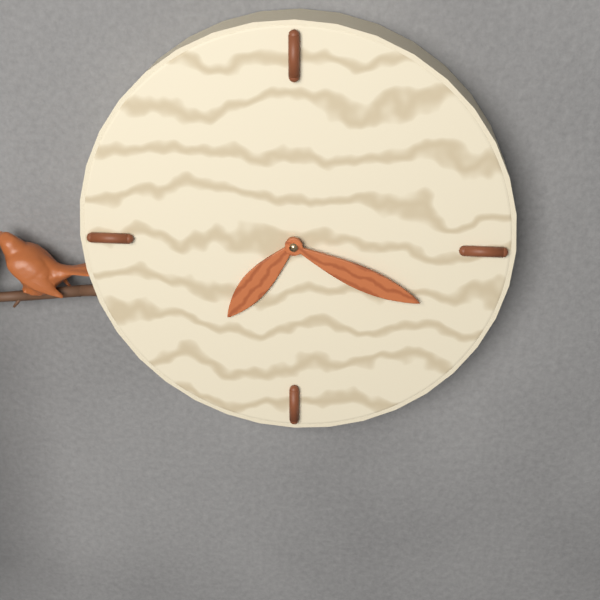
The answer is 7:19
